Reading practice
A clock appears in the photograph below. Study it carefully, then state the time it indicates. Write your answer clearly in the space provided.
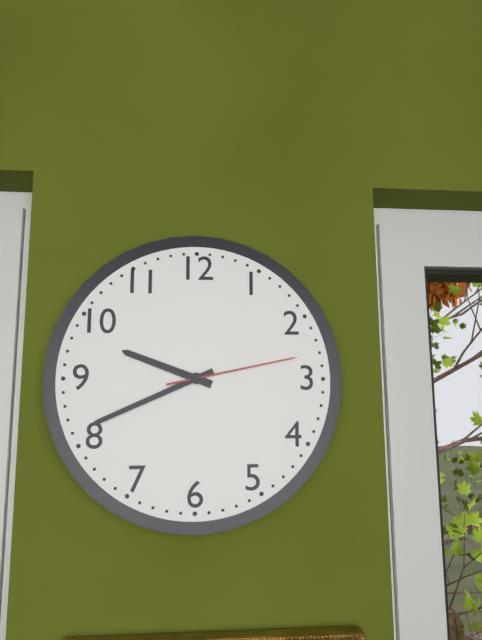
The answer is 9:41:13
